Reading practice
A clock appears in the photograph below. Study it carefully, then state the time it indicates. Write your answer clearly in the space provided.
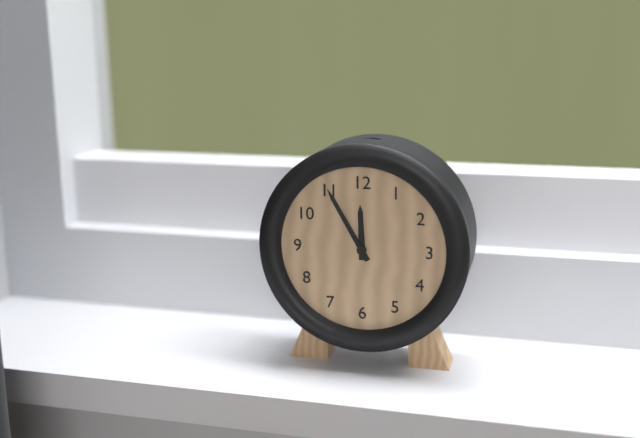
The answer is 11:55
